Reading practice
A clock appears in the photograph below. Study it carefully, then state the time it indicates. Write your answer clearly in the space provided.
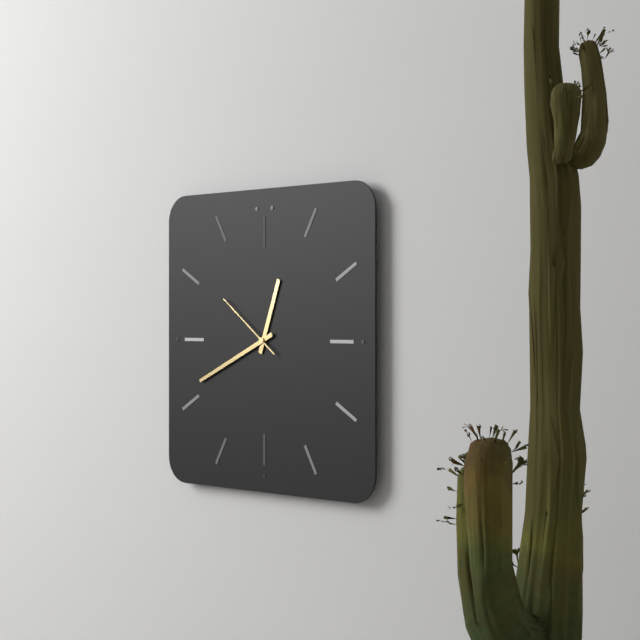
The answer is 12:41:51
